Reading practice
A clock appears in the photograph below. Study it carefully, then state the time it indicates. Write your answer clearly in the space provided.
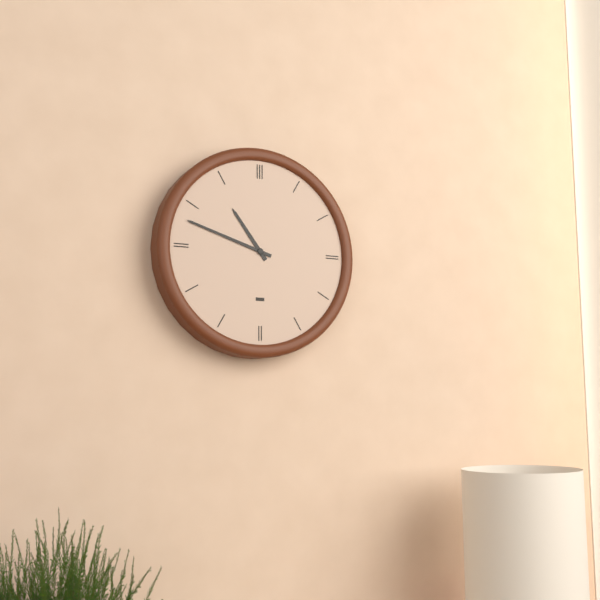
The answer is 10:48
